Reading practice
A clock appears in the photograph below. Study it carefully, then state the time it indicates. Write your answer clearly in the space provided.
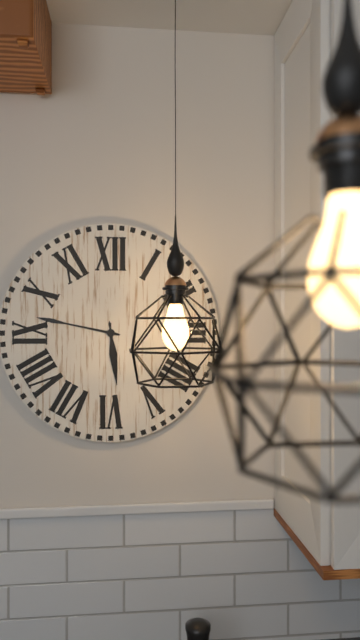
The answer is 5:47
